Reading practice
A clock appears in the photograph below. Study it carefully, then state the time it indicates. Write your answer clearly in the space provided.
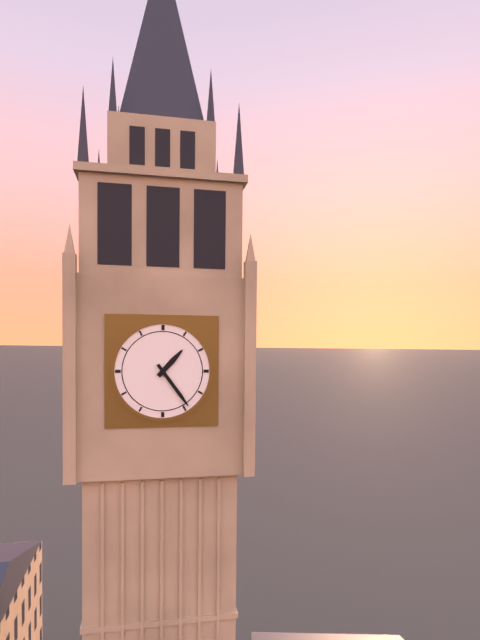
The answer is 1:24
